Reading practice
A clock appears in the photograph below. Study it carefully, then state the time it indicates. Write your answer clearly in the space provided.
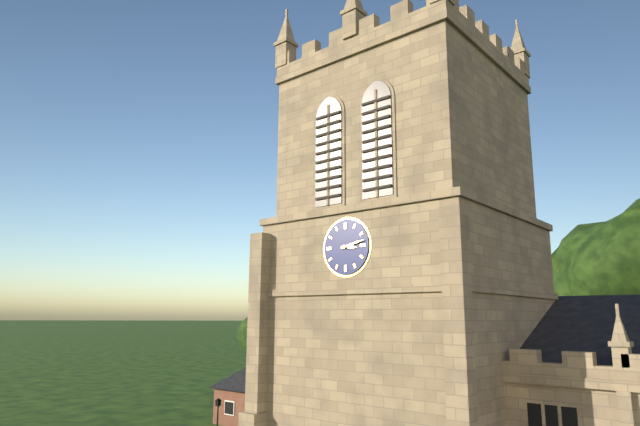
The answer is 3:13
